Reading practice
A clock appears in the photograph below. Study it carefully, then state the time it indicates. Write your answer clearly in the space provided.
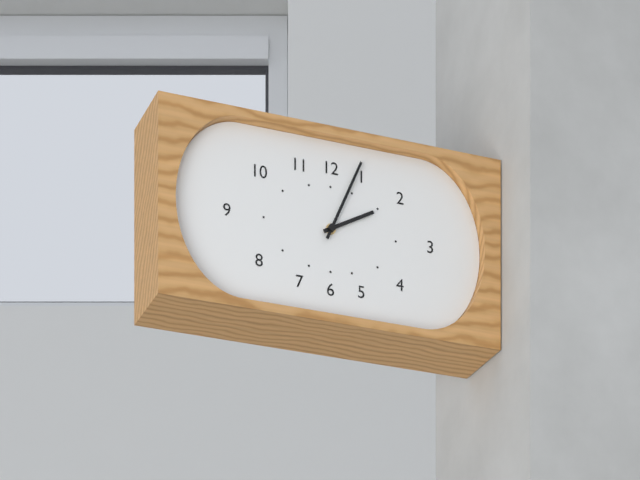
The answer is 2:04
